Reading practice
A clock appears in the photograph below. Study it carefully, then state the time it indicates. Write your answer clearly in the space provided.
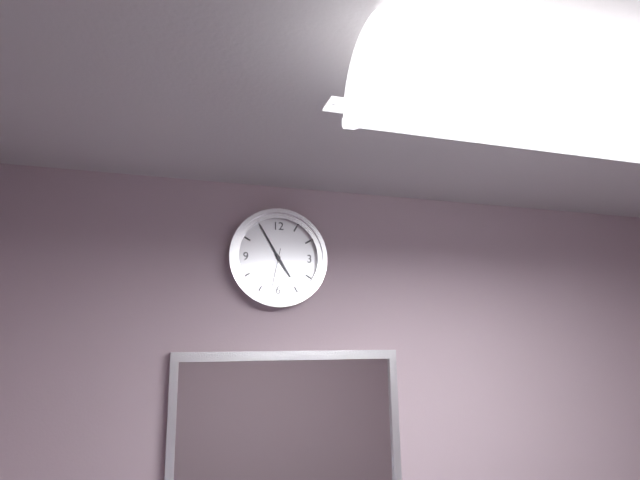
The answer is 4:55
